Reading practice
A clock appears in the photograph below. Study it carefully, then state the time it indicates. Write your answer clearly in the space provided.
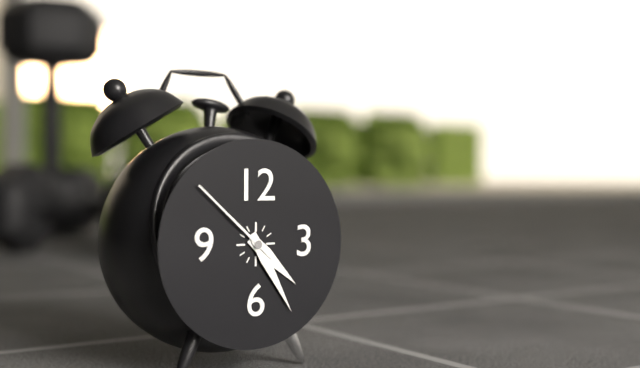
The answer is 4:25:52
